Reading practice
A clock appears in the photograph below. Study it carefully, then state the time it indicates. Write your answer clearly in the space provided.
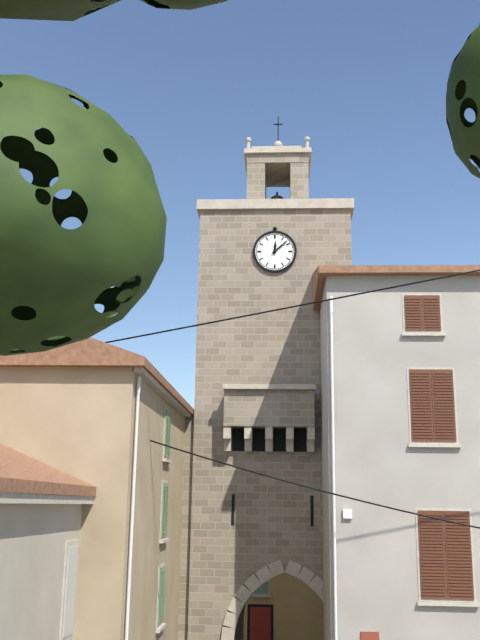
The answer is 12:08
